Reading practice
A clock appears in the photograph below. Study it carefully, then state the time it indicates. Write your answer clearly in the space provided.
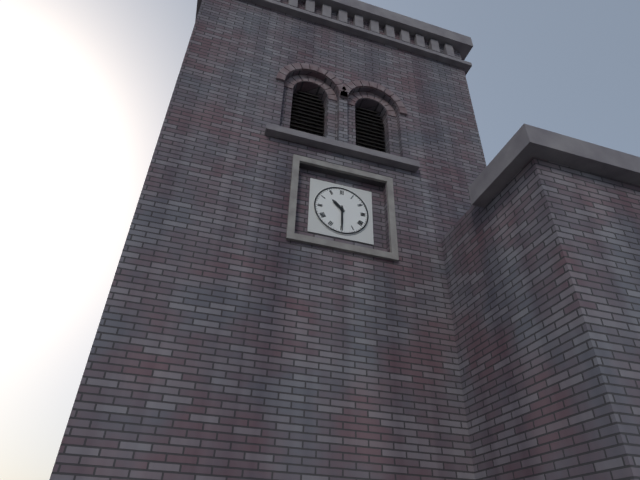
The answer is 10:30
